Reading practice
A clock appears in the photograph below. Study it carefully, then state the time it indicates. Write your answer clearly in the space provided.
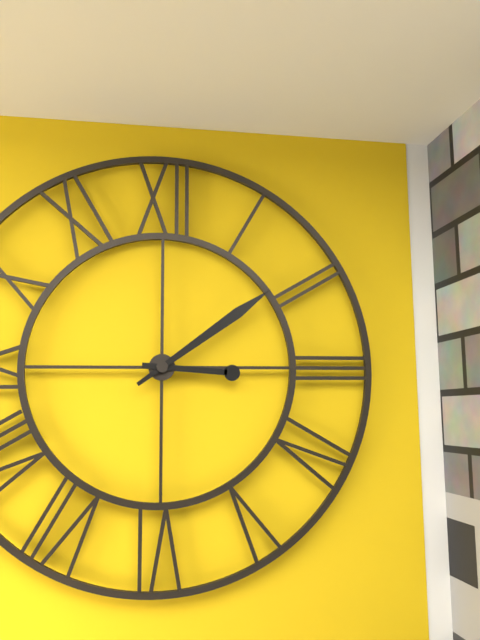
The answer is 3:09
